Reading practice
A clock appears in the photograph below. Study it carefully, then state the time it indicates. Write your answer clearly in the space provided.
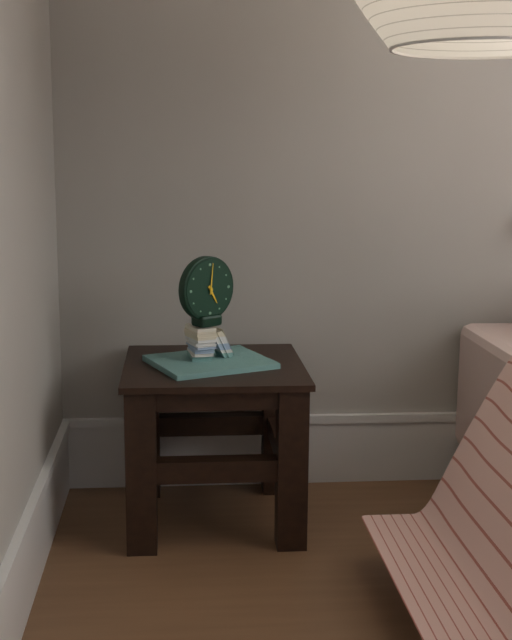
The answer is 5:01
